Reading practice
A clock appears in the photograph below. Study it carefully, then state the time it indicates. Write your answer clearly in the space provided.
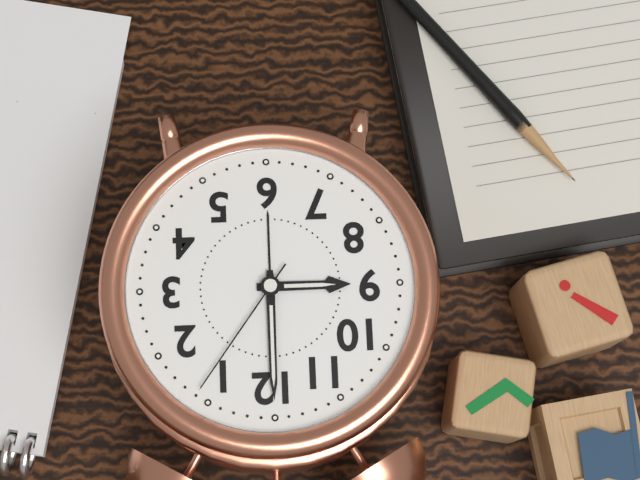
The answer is 9:00:06
